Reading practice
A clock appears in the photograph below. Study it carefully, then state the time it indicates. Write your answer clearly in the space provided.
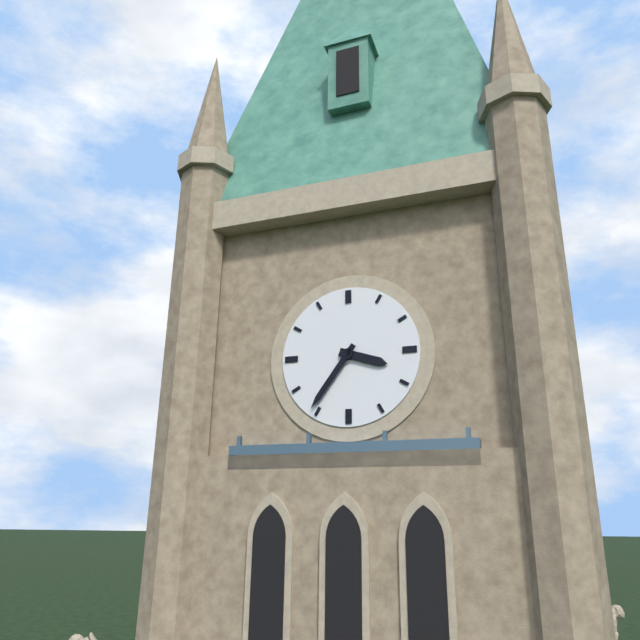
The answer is 3:36
